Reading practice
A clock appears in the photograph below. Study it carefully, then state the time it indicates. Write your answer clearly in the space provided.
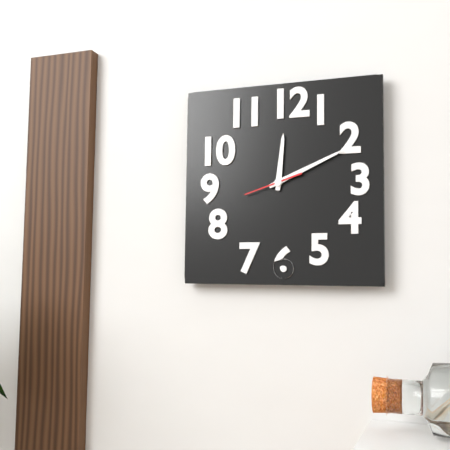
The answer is 12:11
